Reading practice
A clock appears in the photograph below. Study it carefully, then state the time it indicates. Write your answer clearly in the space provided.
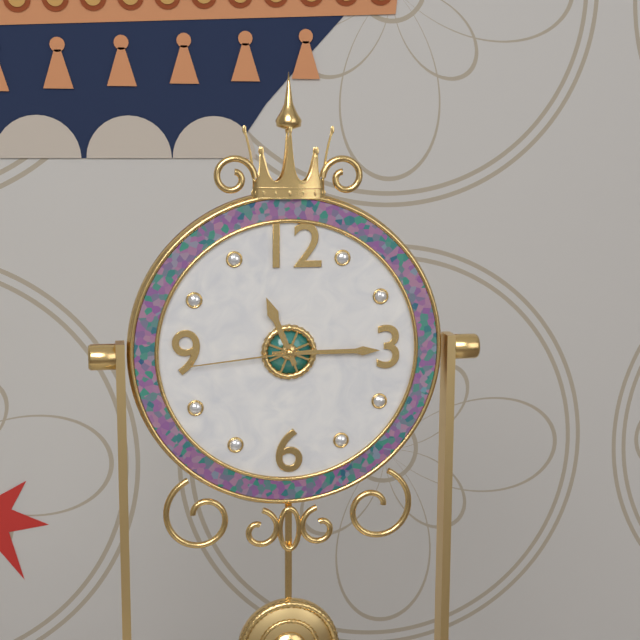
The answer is 11:15:44
